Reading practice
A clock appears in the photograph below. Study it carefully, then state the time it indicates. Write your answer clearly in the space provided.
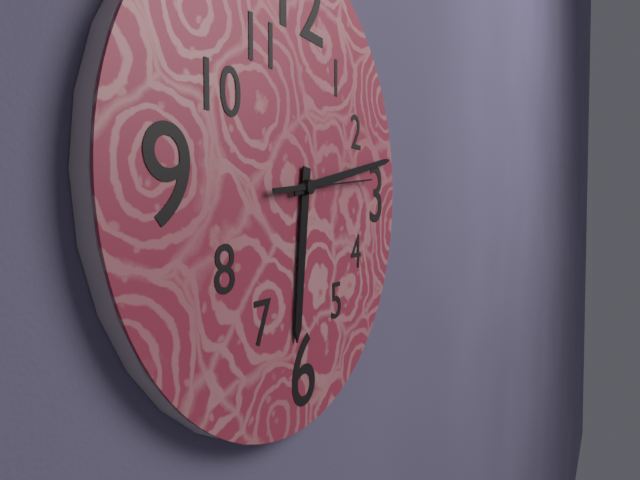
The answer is 6:13:14
